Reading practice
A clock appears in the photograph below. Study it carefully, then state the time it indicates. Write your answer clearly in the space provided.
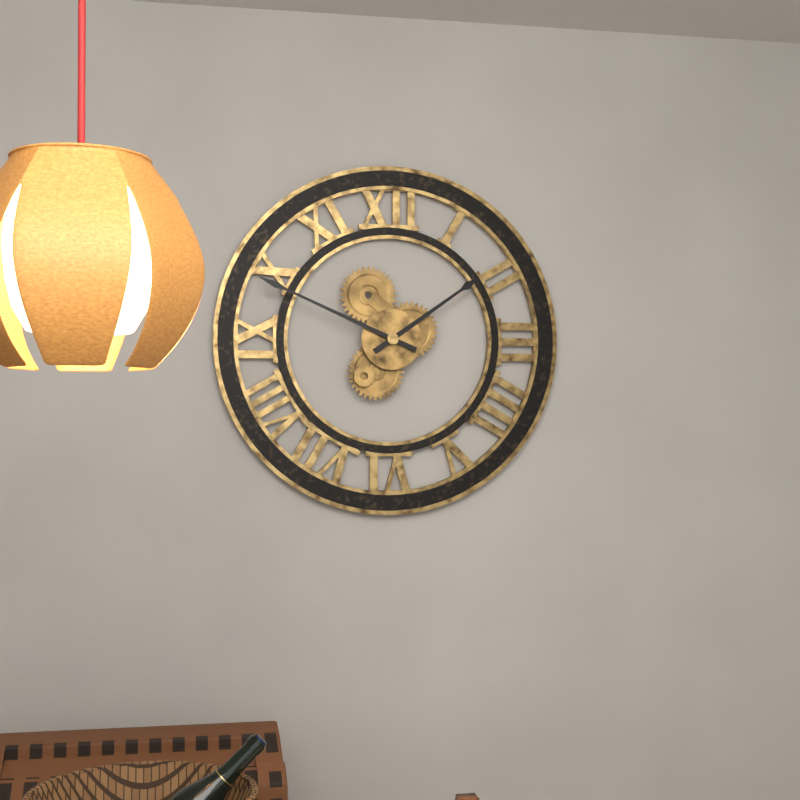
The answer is 1:49
